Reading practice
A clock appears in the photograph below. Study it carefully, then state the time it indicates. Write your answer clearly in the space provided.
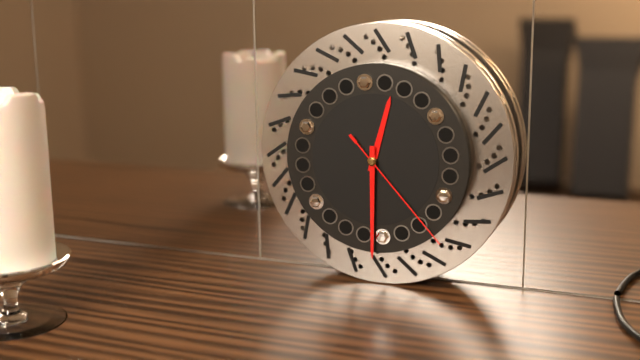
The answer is 12:30:23
